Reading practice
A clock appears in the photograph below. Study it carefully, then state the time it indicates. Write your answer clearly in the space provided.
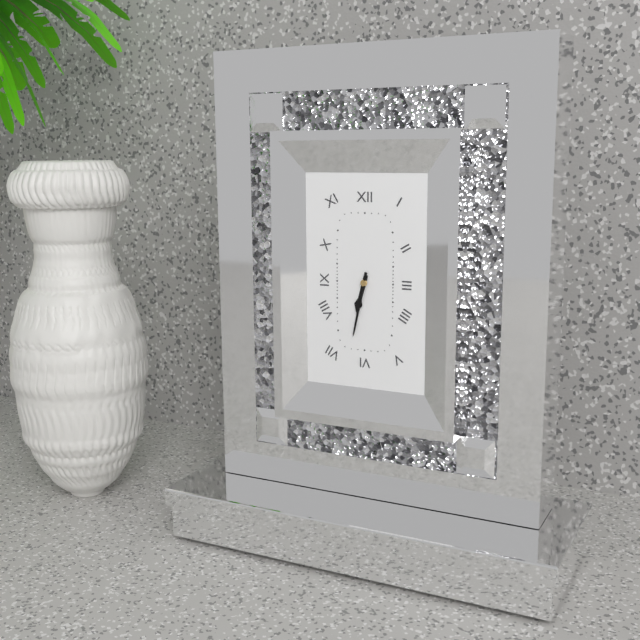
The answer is 6:32
